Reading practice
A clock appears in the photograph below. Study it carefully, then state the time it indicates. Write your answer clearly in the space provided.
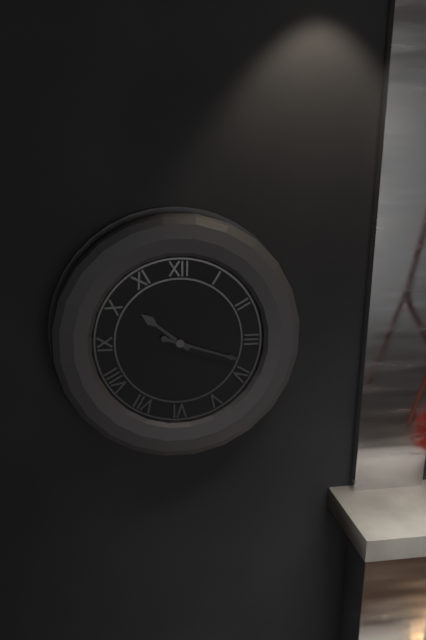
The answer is 10:18
